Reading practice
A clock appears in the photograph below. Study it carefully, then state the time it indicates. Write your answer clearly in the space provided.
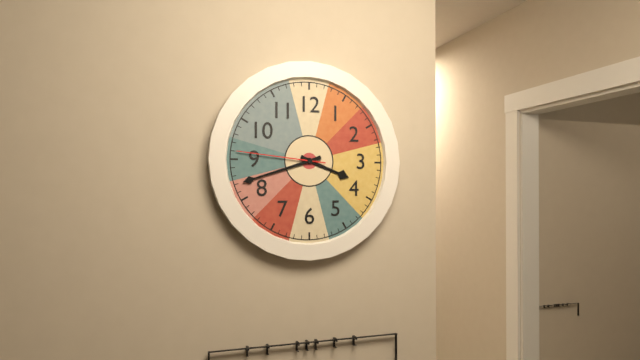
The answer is 3:42:46
